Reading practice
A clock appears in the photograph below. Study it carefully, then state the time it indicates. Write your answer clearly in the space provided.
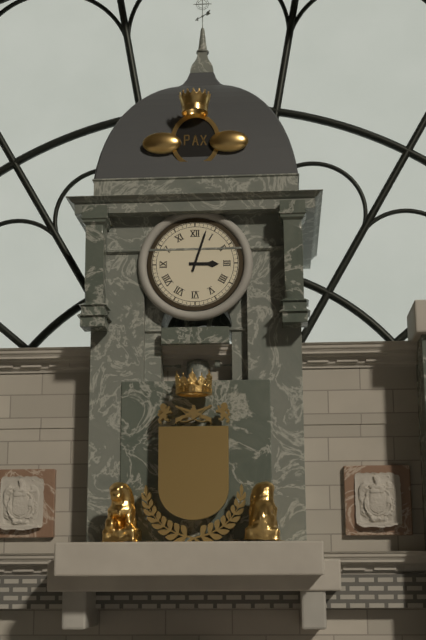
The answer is 3:03
